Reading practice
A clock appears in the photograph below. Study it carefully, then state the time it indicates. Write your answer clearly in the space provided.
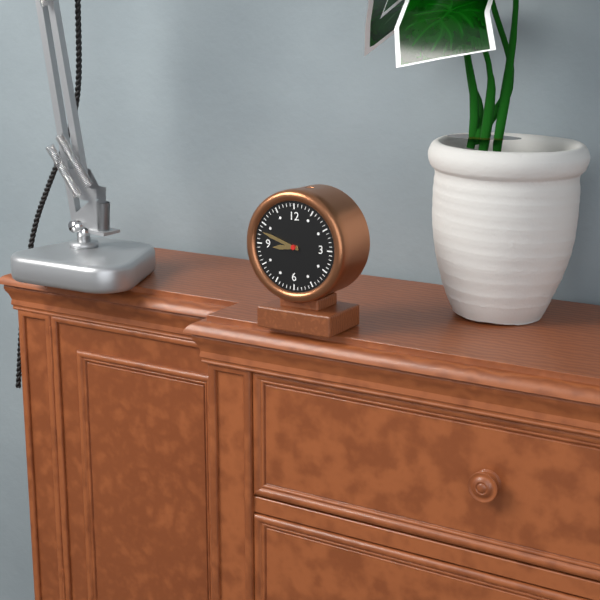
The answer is 8:48
